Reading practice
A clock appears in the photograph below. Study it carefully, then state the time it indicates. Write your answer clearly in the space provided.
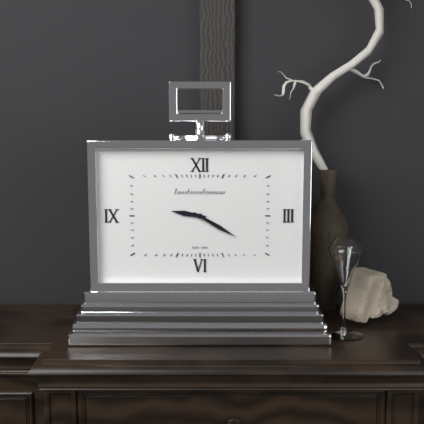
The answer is 9:20
